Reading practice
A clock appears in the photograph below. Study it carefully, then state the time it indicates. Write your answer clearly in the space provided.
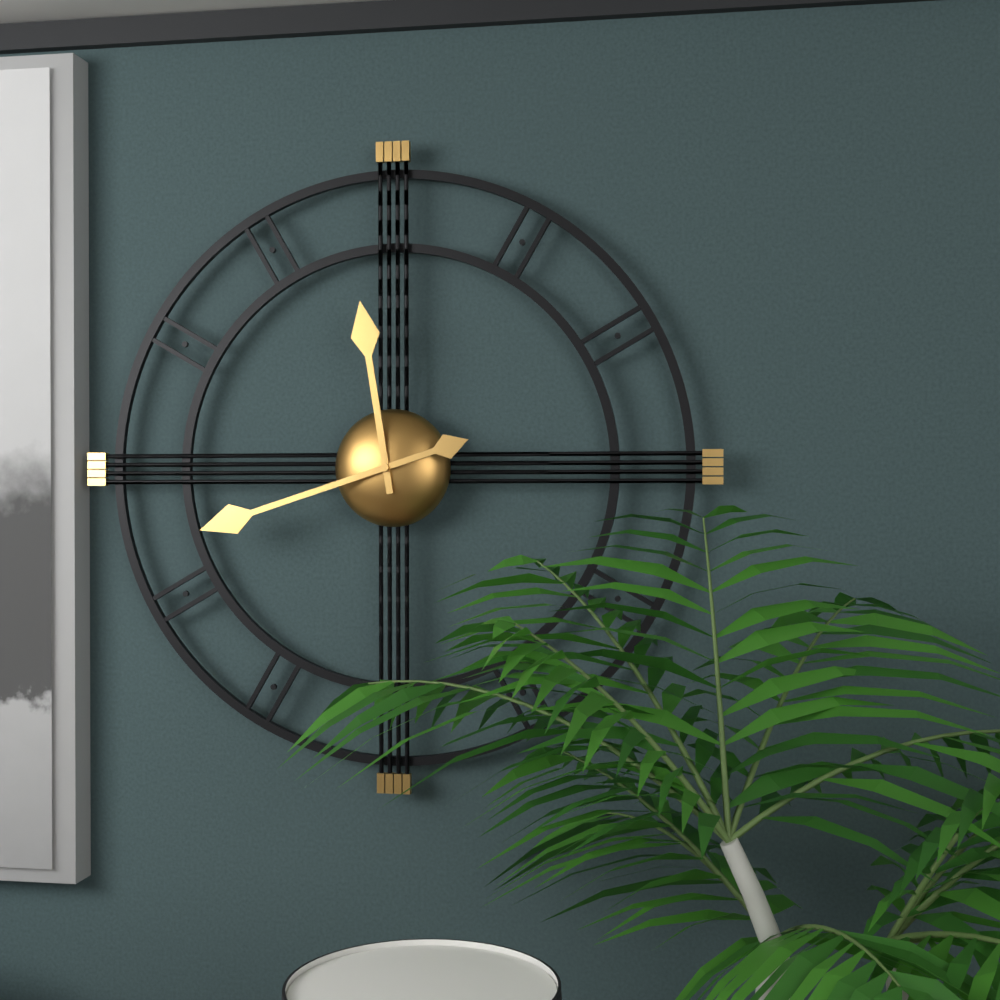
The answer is 11:42
